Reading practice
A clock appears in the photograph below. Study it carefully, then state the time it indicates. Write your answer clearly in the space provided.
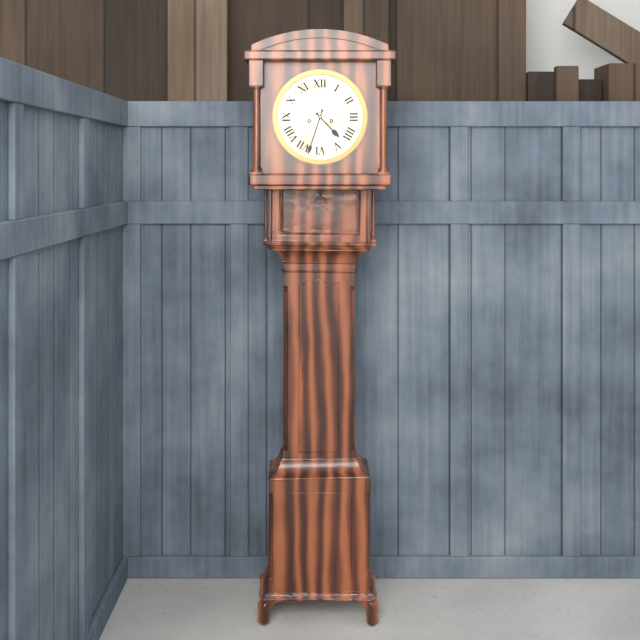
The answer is 4:33
